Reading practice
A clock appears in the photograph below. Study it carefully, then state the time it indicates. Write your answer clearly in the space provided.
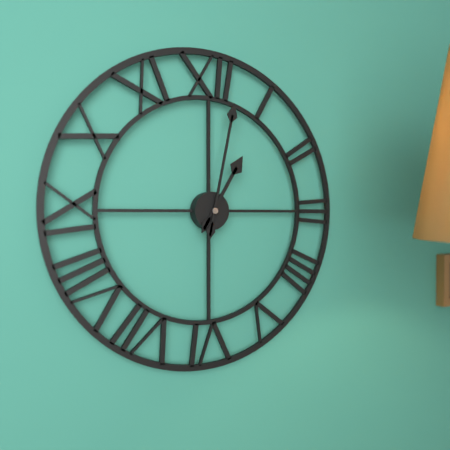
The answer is 1:02
